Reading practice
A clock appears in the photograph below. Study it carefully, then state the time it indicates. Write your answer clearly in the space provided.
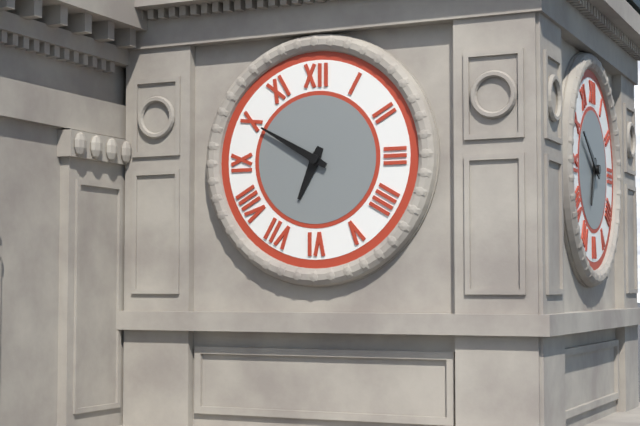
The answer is 6:50
